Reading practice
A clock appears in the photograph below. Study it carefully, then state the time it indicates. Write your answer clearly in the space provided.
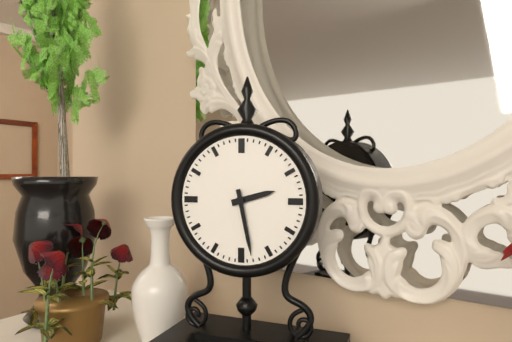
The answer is 2:28
